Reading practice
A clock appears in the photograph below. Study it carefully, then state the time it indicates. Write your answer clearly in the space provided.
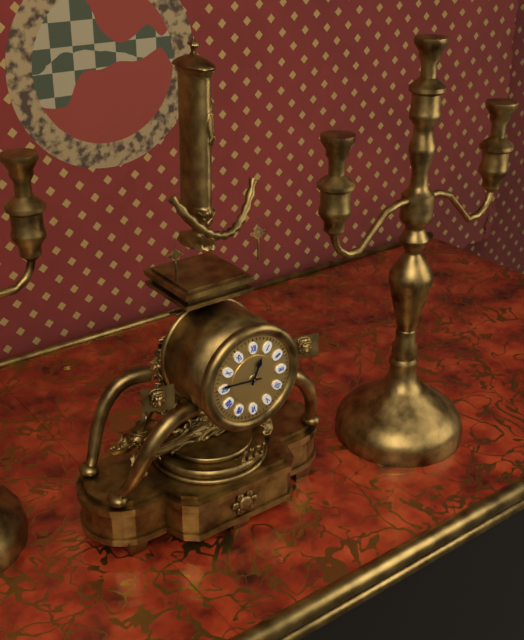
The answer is 12:46
